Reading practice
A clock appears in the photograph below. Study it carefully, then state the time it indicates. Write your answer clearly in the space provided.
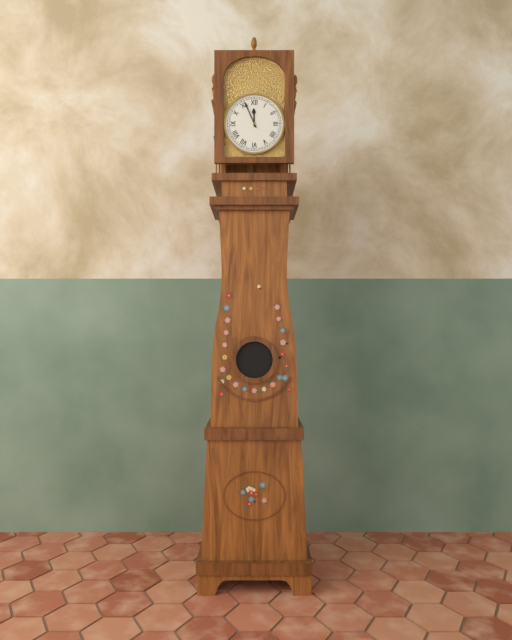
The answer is 11:56
